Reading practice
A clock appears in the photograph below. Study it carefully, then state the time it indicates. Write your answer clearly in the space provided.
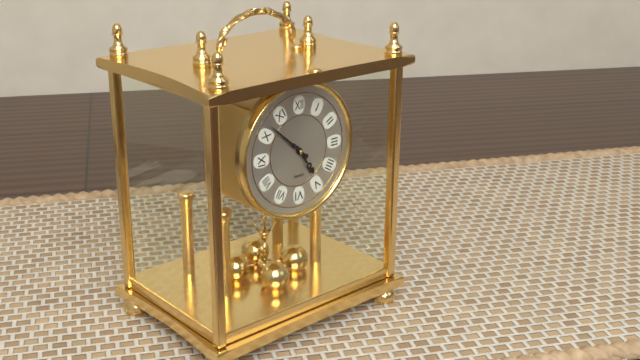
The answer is 4:52
